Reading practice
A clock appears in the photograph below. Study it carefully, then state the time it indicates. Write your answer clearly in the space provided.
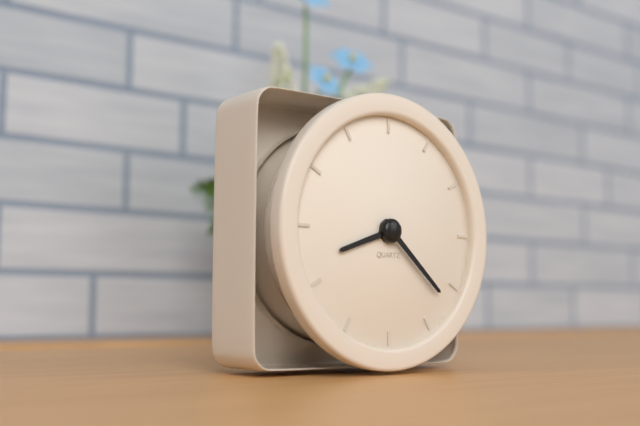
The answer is 8:22
